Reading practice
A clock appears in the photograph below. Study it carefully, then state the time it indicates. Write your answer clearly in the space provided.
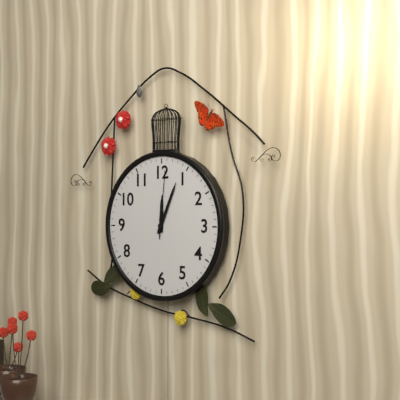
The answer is 12:04:01
